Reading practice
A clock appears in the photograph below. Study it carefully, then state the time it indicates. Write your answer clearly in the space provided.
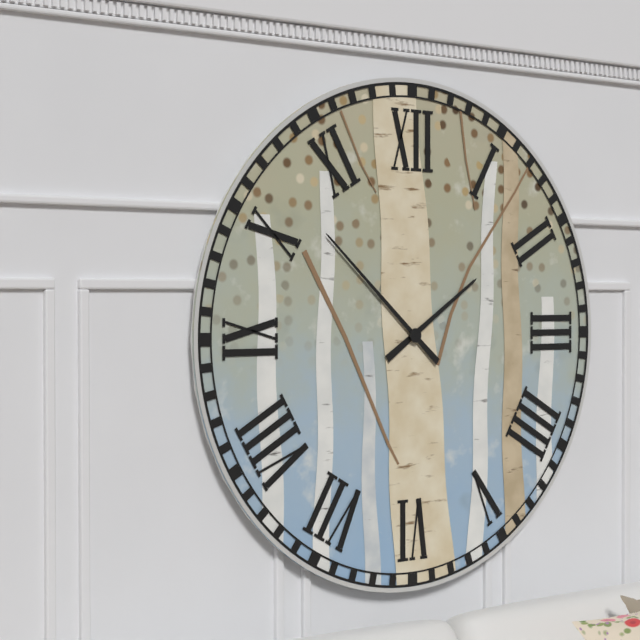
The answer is 1:52
